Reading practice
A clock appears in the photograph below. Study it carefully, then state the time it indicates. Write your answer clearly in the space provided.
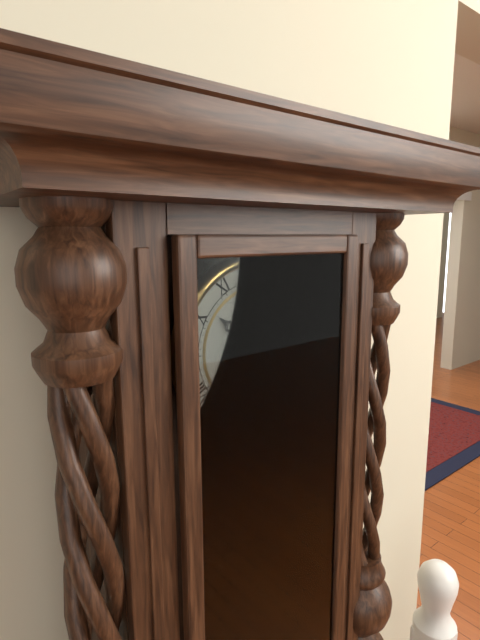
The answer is 10:18
